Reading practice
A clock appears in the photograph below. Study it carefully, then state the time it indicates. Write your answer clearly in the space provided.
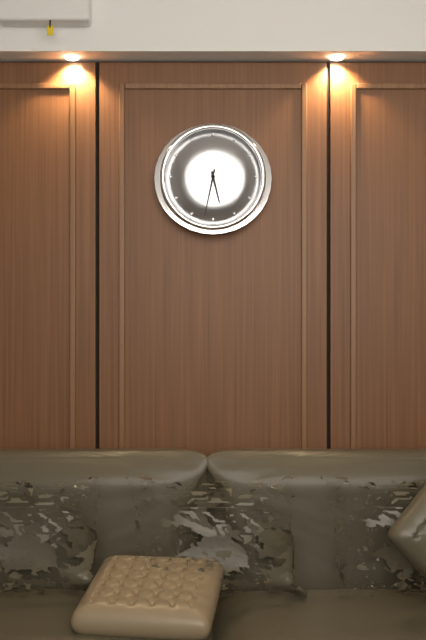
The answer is 5:32
